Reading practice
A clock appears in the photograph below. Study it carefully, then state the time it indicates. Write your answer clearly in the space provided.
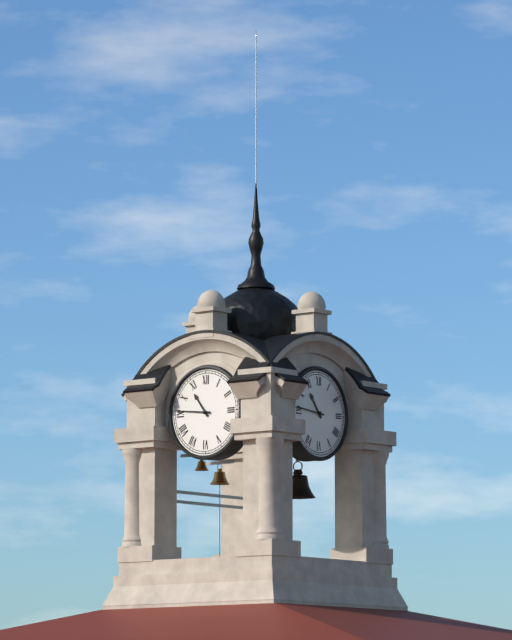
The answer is 10:46
